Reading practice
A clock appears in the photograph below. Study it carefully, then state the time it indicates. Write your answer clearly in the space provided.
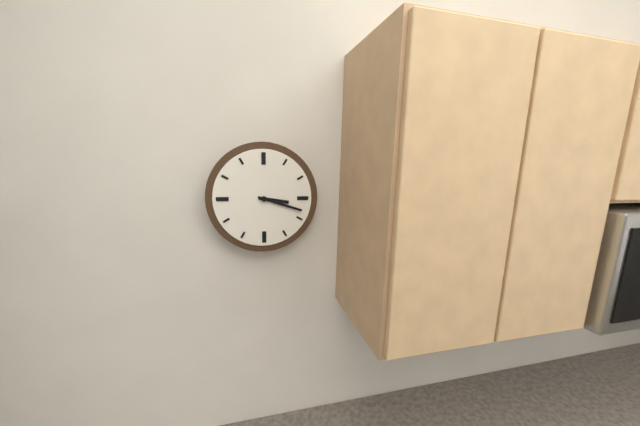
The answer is 3:18
